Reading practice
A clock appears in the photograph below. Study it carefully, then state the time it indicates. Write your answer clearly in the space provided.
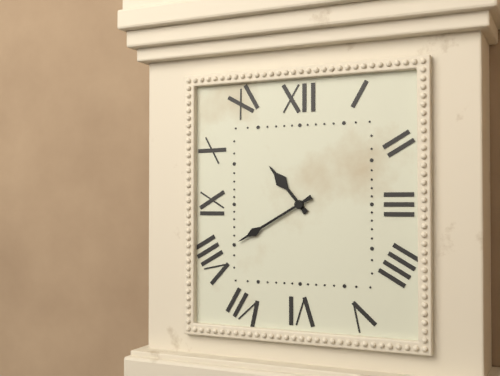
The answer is 10:40
